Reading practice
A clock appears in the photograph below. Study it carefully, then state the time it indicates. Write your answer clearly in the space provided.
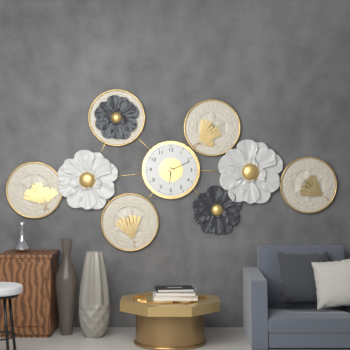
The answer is 6:11
